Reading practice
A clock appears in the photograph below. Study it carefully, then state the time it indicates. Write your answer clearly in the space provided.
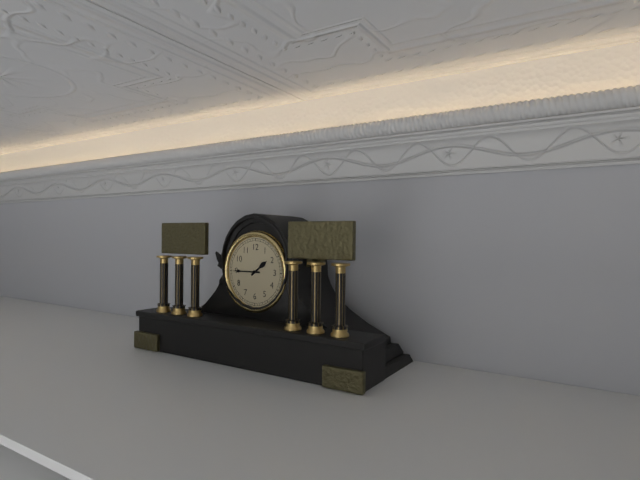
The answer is 1:45
